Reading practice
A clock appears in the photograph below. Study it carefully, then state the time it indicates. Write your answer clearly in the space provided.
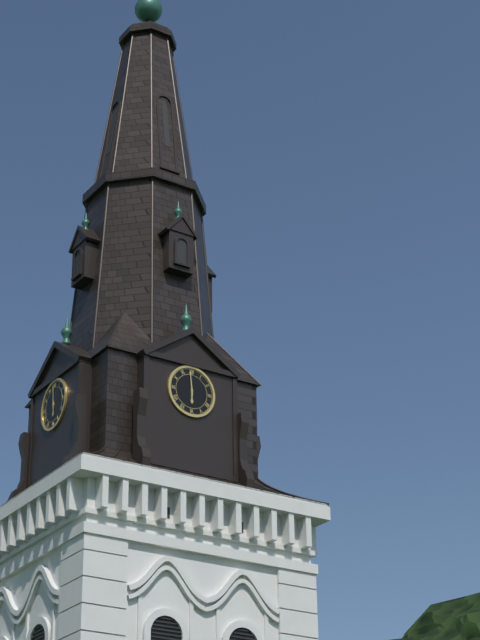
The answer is 5:59
